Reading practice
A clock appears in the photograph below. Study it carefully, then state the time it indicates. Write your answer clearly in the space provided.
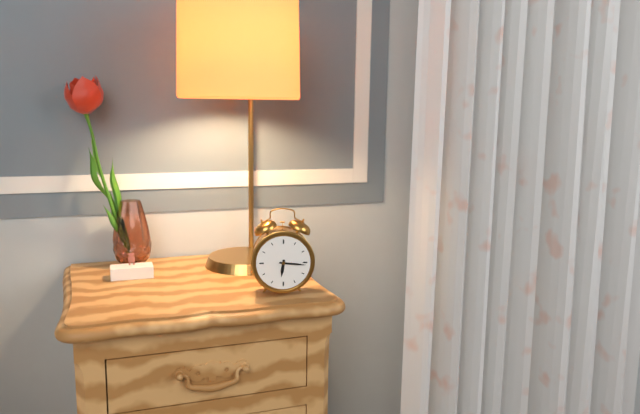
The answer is 6:16
